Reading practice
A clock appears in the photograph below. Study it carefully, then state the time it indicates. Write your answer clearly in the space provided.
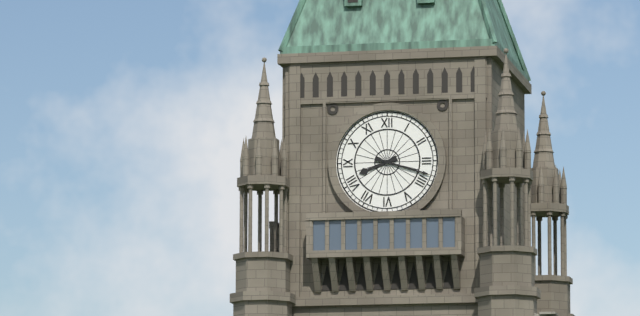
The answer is 8:18
